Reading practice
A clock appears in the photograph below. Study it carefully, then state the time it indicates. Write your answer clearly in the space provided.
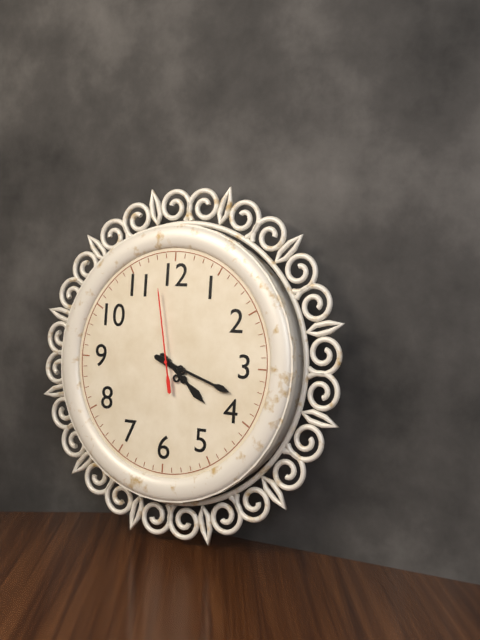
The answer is 4:18:58
